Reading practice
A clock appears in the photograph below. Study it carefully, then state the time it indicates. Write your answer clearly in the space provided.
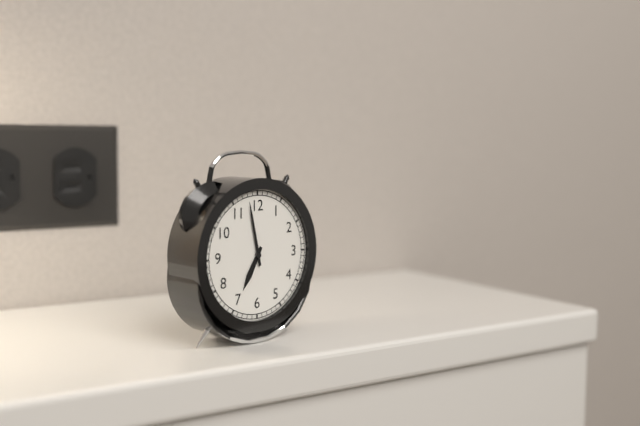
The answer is 6:58
